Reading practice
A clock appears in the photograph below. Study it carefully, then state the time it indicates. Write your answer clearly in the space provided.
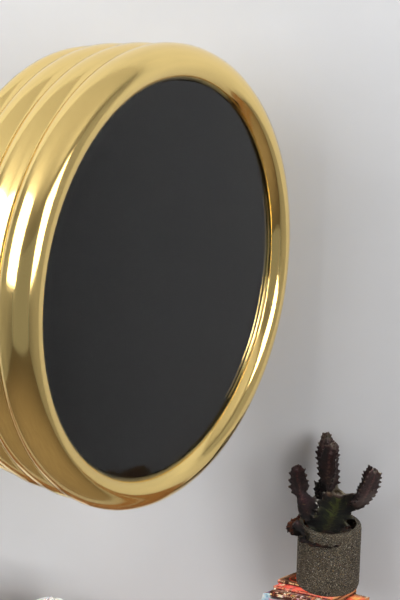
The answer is 4:08:09
